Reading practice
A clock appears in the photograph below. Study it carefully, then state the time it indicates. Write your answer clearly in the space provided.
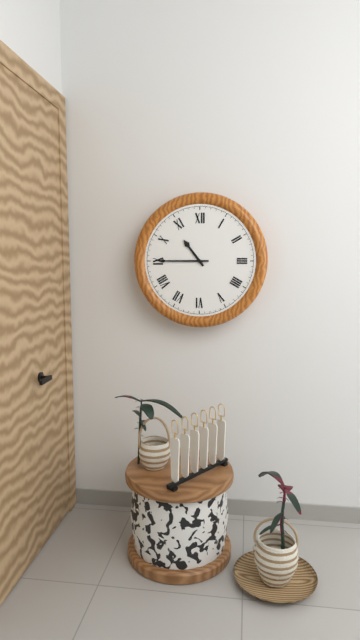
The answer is 10:45
